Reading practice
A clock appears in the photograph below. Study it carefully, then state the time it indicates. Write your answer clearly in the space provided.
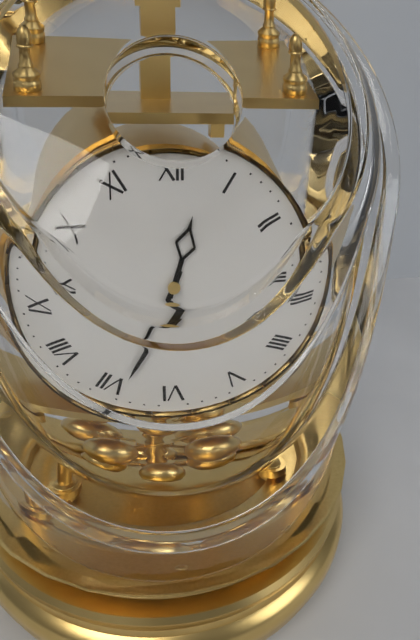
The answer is 12:34
